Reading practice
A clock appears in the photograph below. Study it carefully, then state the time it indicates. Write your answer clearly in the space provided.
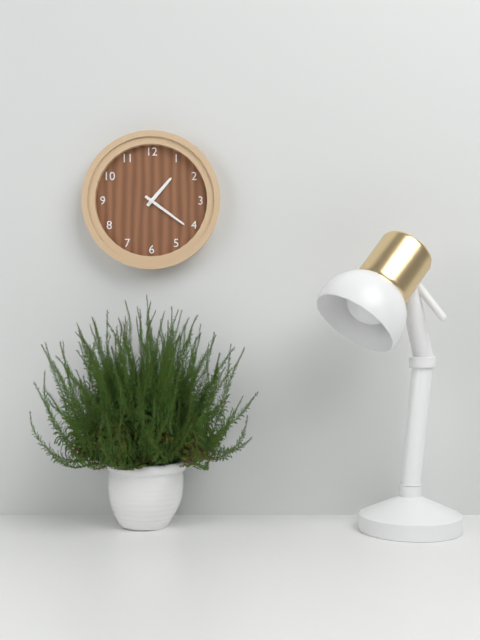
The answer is 1:21
